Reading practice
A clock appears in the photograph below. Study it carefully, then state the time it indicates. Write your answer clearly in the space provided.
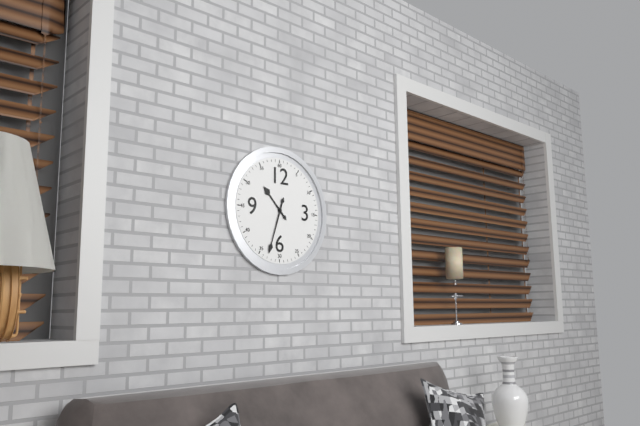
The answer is 10:33
